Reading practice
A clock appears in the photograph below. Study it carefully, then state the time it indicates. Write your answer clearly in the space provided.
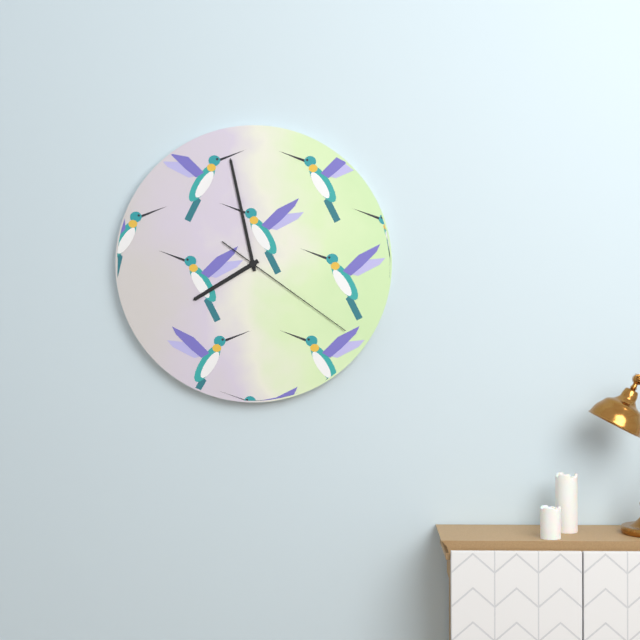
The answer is 7:58:21
